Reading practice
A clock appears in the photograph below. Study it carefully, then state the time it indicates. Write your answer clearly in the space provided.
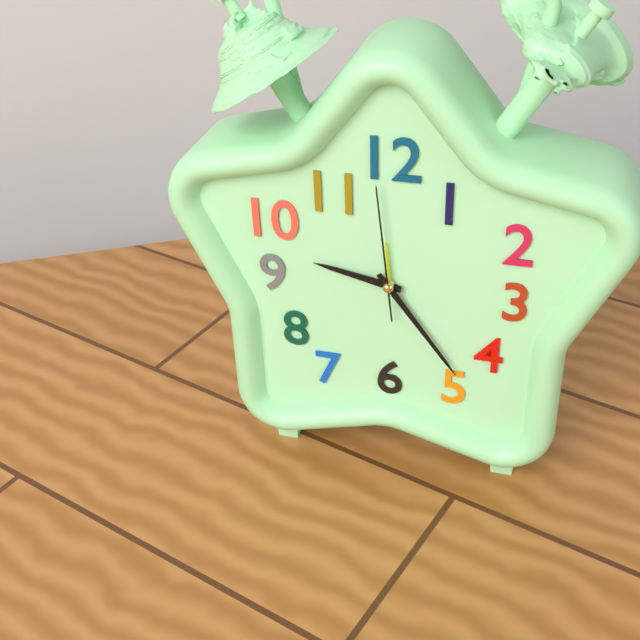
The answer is 9:24:59
